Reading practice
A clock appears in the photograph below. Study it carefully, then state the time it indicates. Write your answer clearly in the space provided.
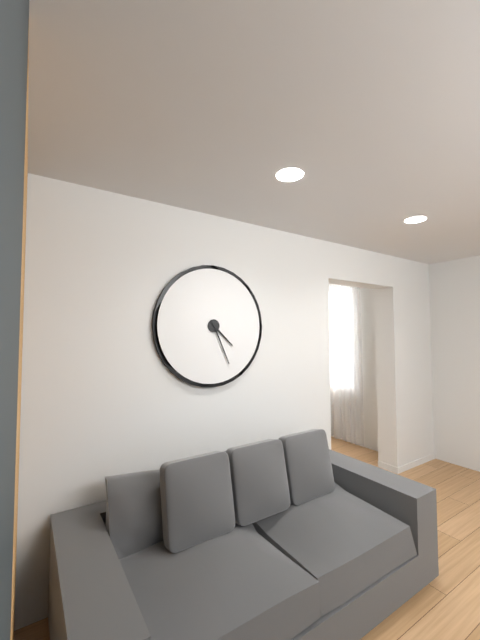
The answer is 4:26
